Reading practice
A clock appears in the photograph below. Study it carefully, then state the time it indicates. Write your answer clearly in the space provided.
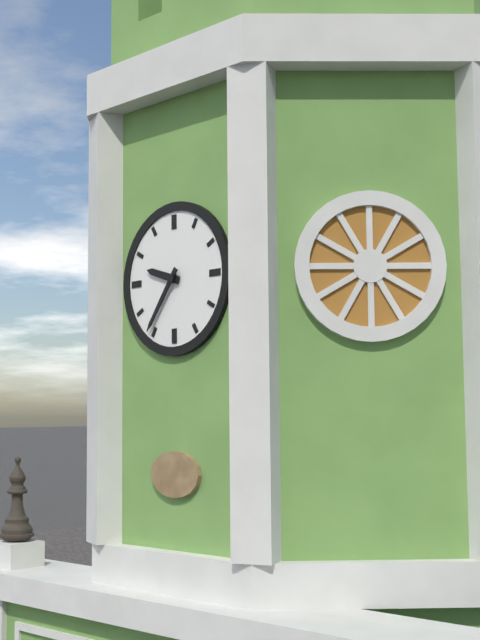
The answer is 9:36
